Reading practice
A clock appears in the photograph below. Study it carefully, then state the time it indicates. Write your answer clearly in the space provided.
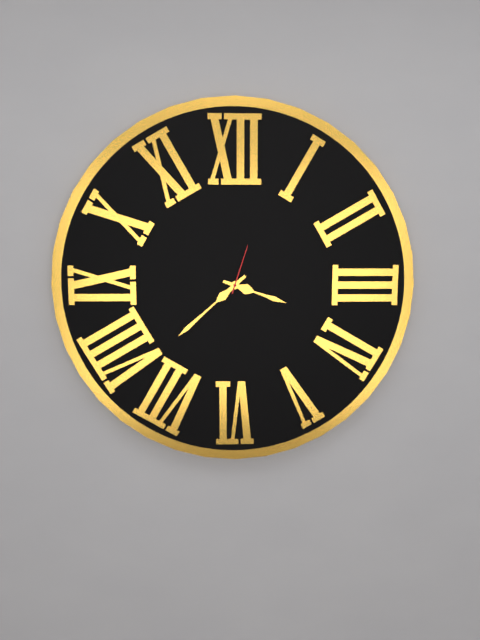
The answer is 3:38:03
